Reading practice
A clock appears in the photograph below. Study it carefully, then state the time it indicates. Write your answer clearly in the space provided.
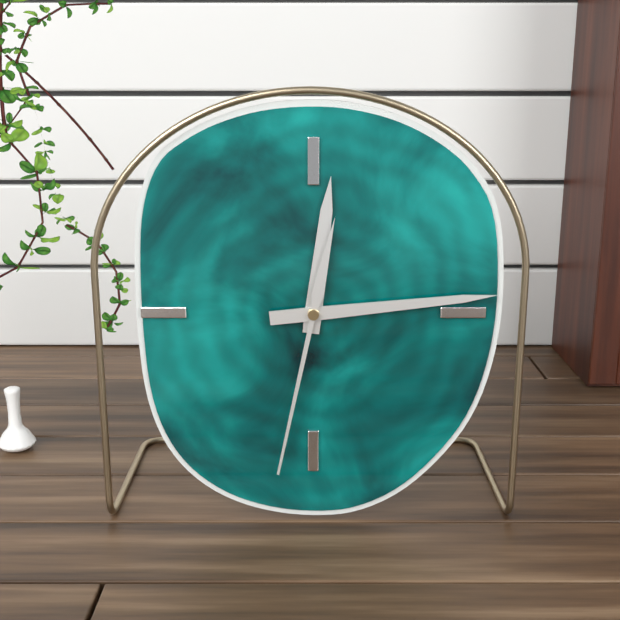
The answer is 12:14:32
